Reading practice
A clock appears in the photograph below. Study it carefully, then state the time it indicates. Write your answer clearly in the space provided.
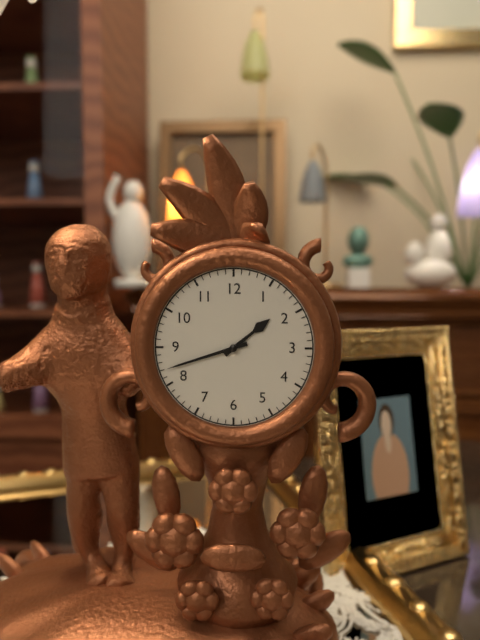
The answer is 1:42
